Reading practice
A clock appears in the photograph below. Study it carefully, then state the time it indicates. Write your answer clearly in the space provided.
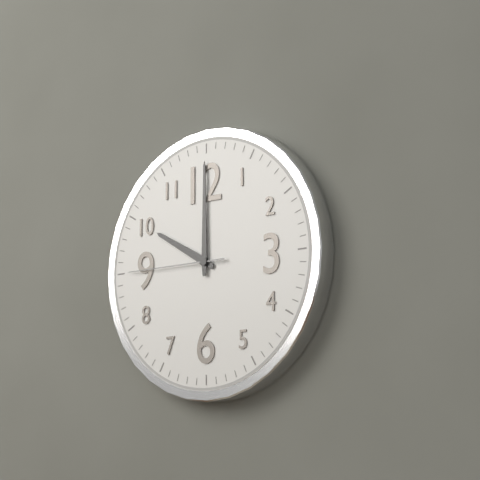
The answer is 10:00:45
